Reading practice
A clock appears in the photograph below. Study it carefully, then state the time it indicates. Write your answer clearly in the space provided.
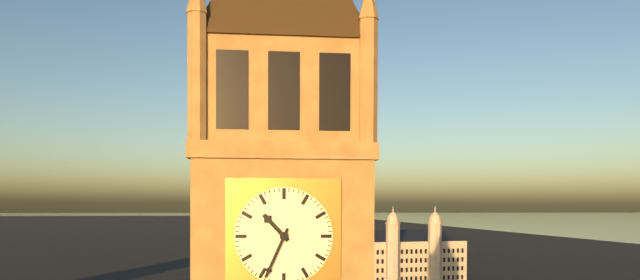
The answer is 10:34
